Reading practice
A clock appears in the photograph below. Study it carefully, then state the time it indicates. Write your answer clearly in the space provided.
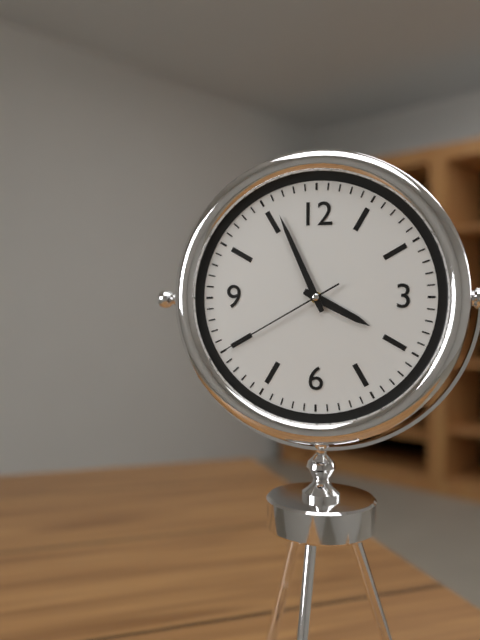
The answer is 3:56:40
